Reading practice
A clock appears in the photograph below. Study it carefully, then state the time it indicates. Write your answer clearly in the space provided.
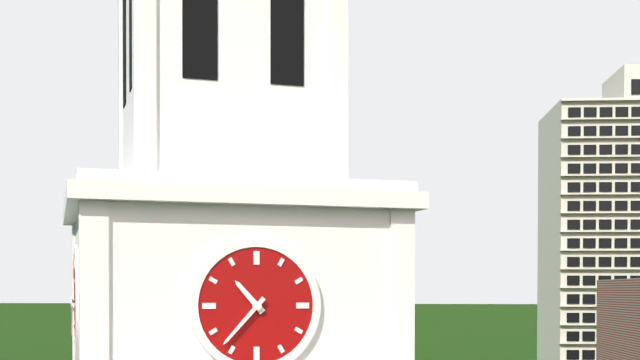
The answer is 10:37
